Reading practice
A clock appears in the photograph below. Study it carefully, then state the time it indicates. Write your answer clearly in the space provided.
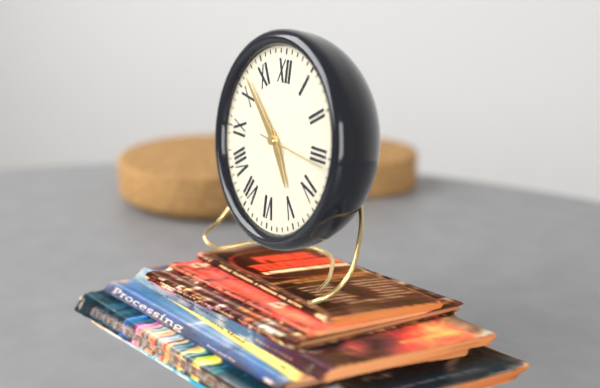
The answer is 4:52:16
